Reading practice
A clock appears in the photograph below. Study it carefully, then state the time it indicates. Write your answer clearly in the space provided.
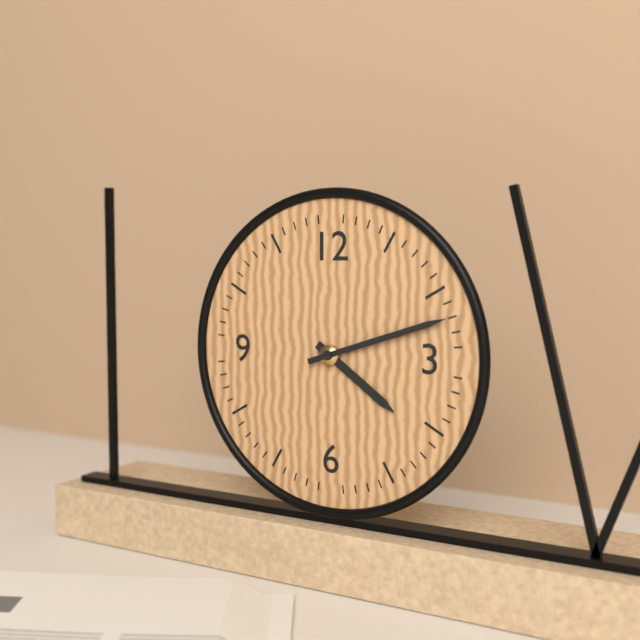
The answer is 4:12
